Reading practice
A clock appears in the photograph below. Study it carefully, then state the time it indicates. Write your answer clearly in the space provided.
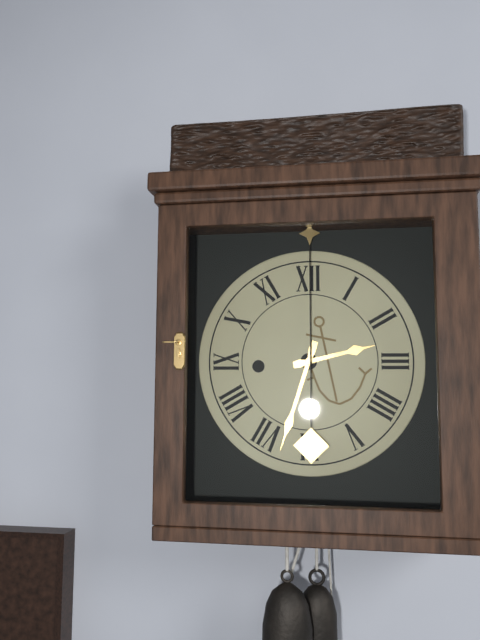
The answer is 2:33
